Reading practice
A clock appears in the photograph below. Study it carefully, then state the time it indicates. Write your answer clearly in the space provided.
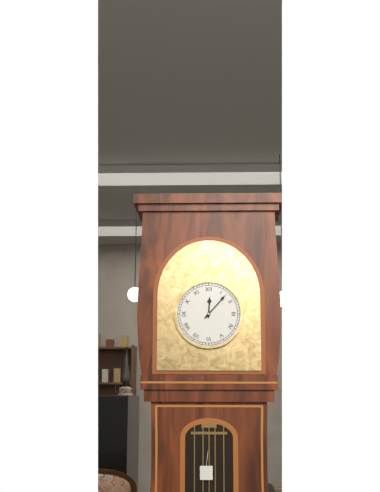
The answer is 12:07
